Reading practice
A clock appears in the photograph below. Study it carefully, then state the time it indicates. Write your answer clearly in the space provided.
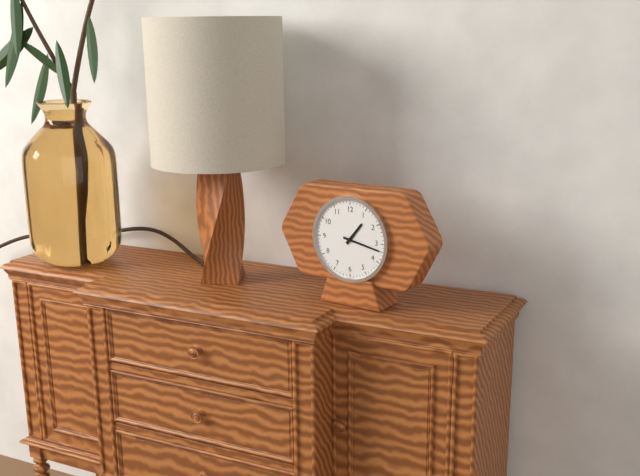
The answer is 1:17
